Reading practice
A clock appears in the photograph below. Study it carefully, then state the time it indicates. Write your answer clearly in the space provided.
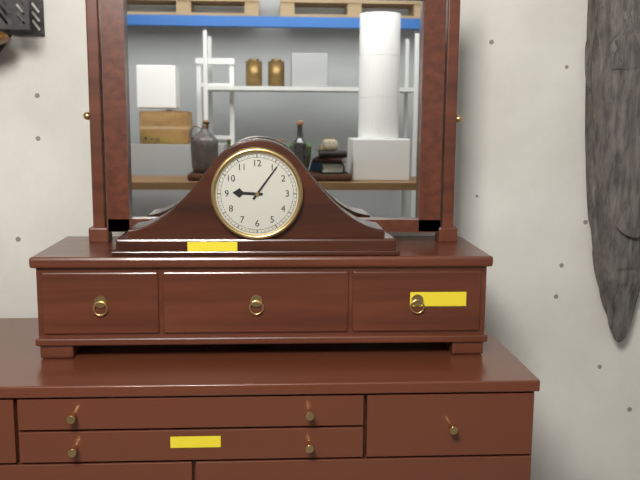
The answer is 9:06
